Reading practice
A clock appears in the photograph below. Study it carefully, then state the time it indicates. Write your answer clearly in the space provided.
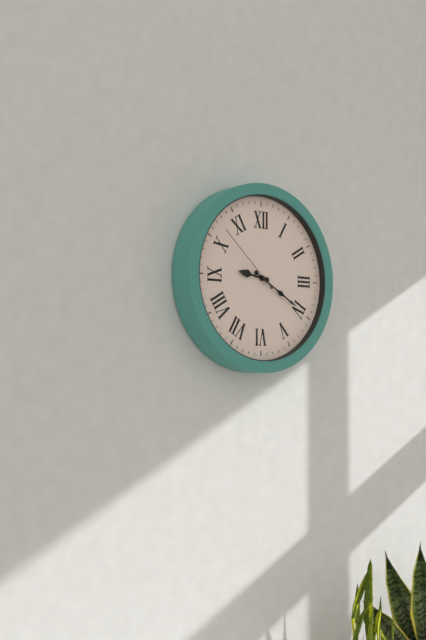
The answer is 9:20:52
